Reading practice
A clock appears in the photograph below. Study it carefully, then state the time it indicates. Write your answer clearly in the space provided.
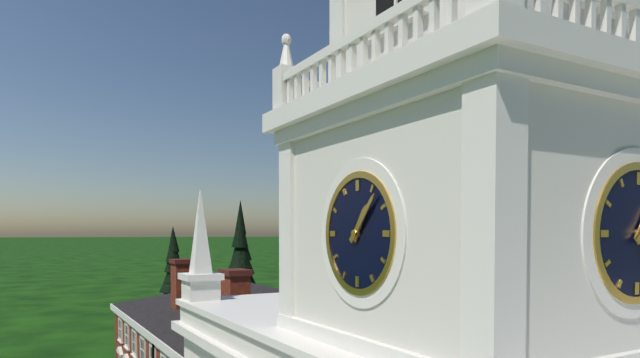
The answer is 1:07
